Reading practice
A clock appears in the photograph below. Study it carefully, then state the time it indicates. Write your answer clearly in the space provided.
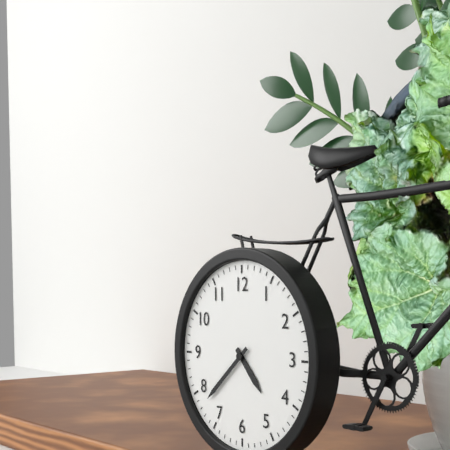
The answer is 4:38
